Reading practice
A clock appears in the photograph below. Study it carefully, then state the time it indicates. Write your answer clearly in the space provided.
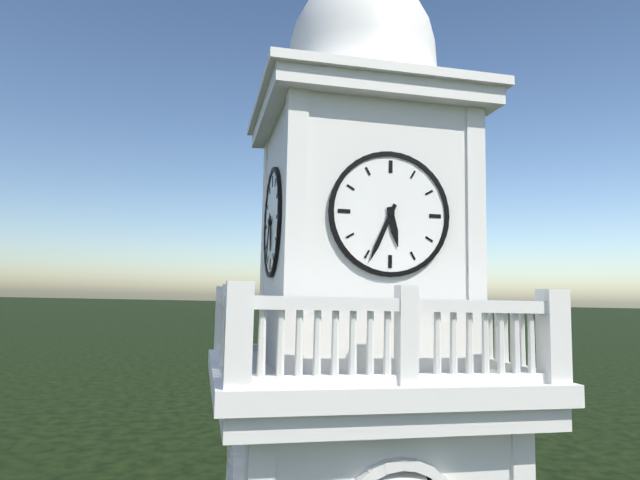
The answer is 5:34
